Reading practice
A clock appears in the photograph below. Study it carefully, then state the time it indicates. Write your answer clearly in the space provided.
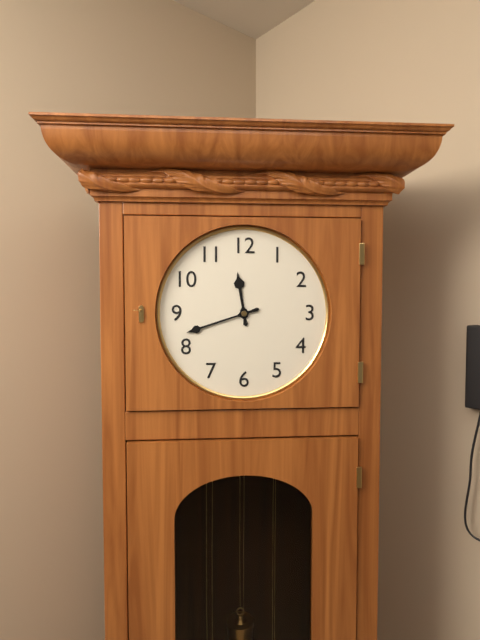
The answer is 11:42
